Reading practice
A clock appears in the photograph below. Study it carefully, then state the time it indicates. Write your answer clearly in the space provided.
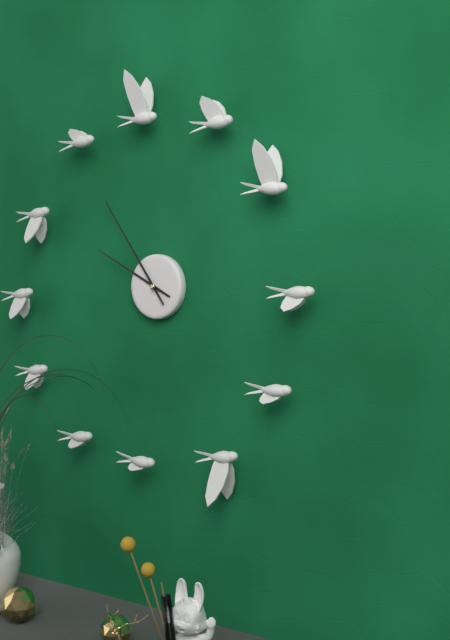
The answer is 9:54
